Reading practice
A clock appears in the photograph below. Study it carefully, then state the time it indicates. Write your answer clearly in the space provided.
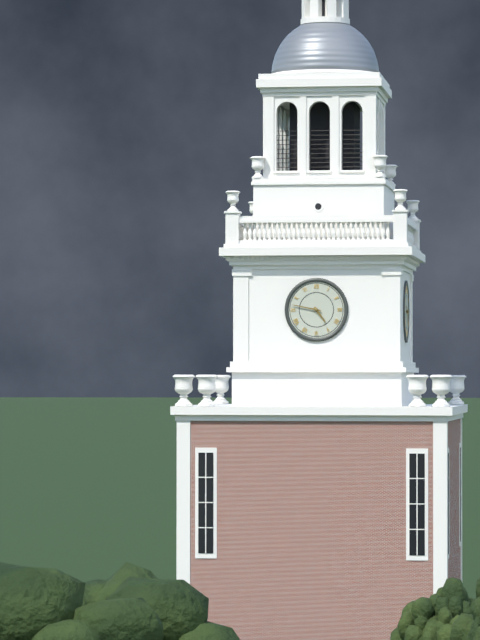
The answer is 4:47
